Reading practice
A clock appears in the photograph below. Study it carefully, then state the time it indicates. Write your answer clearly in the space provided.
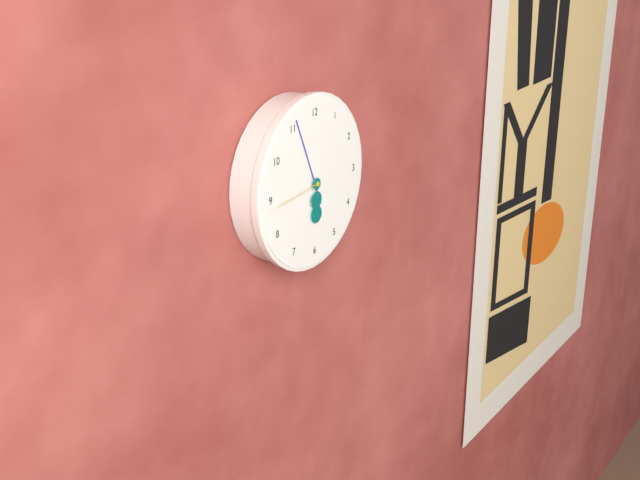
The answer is 5:56:44
